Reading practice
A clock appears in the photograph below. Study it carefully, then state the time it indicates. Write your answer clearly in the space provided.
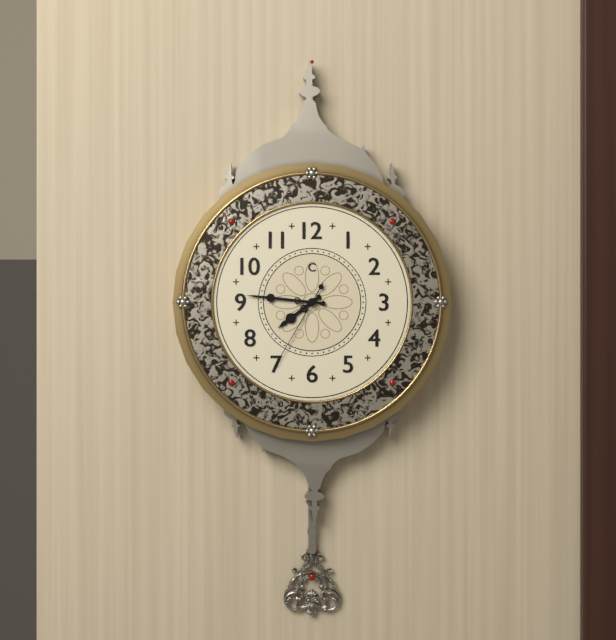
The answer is 7:46:35
